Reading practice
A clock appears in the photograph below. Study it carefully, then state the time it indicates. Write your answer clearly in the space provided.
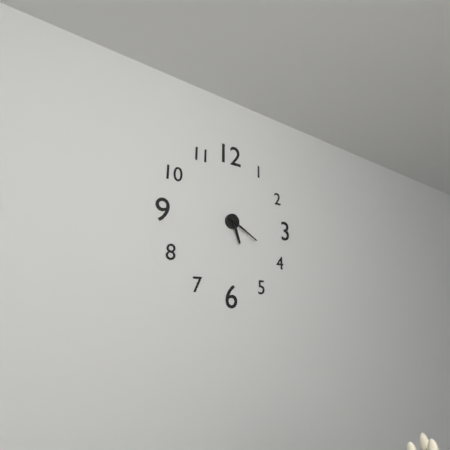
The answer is 5:20
